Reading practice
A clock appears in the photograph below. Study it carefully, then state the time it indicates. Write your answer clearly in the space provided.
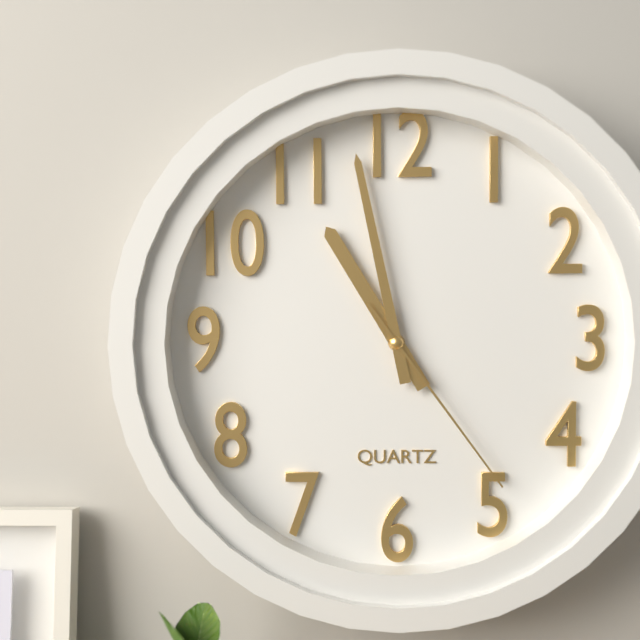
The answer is 10:58:24
